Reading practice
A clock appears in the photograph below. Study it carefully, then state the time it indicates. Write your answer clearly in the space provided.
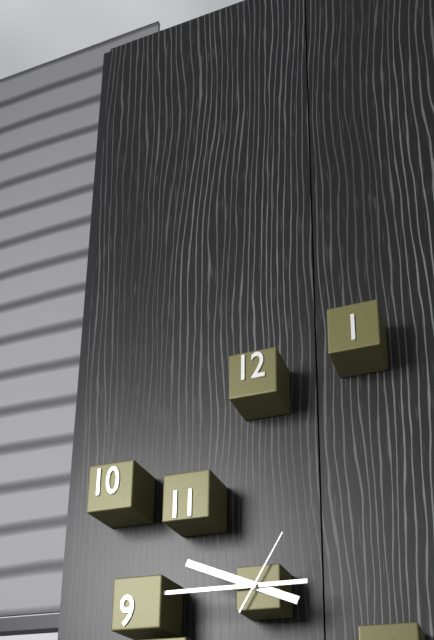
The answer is 9:45:05
